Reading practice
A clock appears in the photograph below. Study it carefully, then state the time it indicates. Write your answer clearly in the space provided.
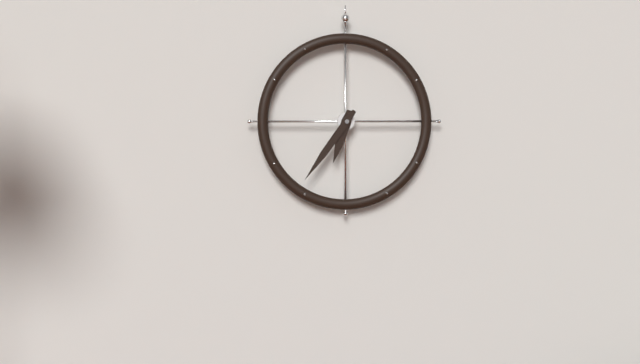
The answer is 6:36
